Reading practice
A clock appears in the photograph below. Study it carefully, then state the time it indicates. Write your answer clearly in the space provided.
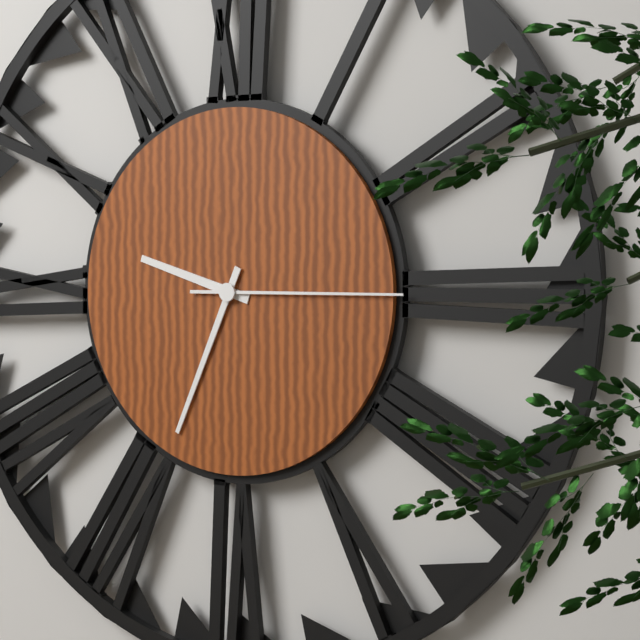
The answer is 9:34:15
